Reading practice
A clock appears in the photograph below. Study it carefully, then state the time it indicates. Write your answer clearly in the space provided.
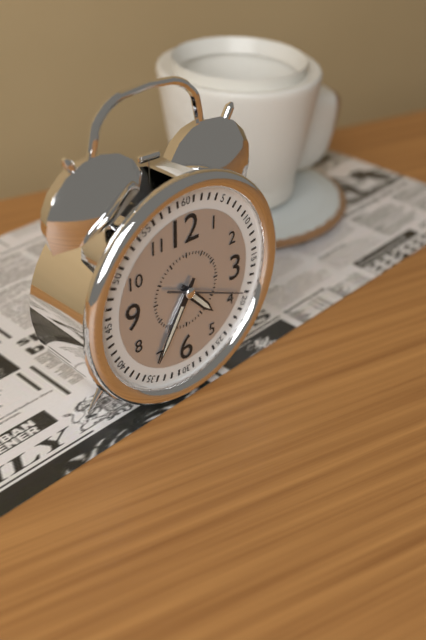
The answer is 4:35:19
